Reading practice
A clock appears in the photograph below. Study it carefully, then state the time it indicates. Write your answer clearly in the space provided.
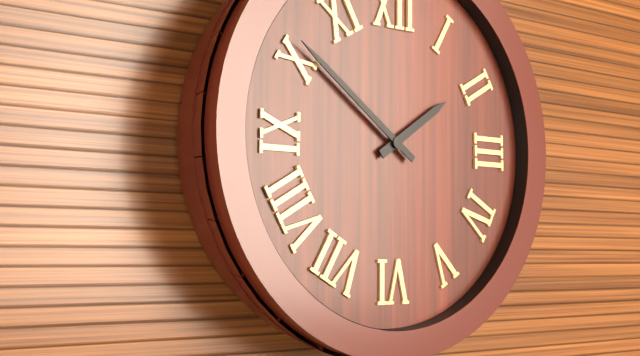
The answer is 1:51
